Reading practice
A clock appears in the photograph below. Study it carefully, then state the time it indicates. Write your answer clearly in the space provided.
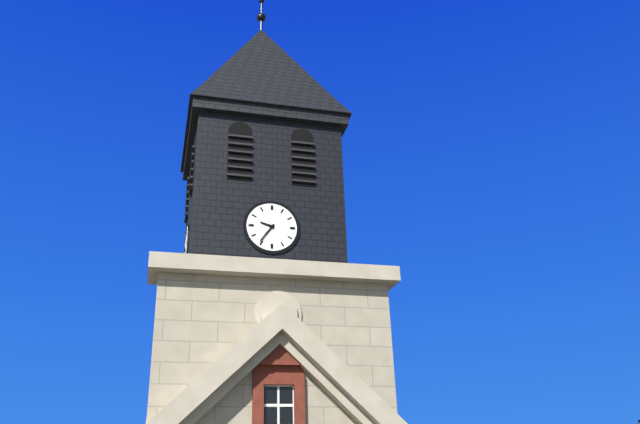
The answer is 9:36
